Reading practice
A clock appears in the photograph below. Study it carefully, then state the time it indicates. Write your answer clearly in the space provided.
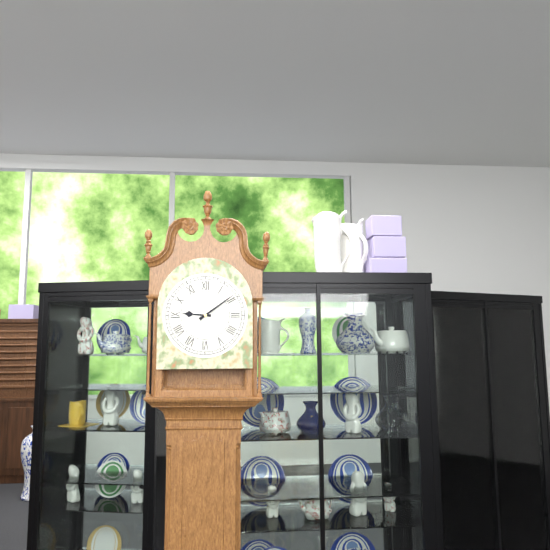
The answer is 9:09
